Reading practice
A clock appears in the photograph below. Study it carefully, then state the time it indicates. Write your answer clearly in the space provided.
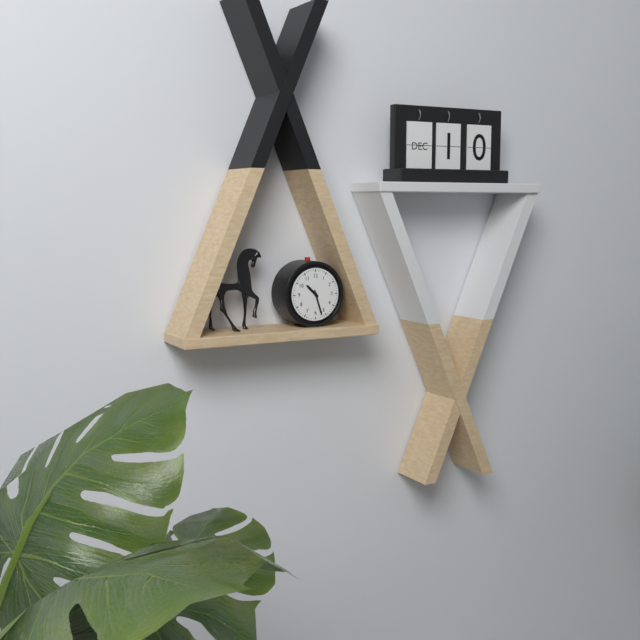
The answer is 10:27
